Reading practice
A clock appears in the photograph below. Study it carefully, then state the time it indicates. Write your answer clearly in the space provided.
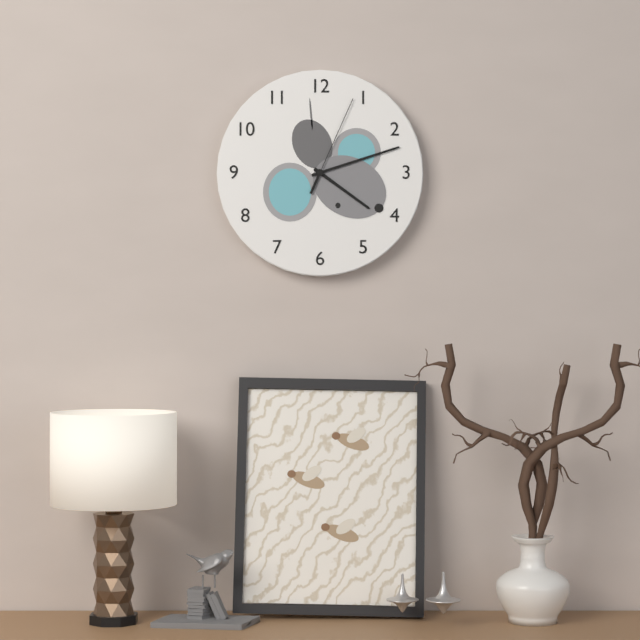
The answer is 4:12:04
